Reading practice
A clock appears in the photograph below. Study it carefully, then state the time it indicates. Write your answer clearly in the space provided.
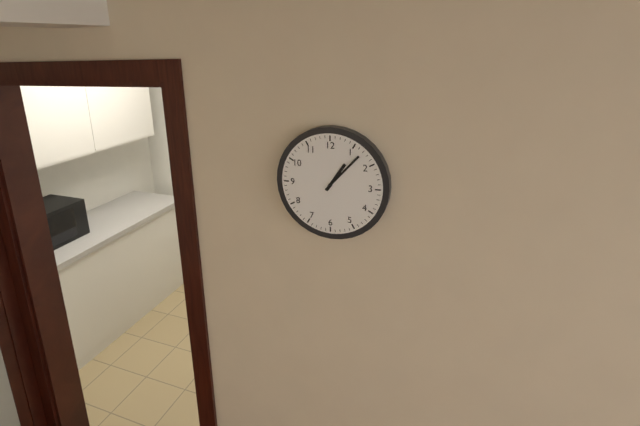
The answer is 1:07
